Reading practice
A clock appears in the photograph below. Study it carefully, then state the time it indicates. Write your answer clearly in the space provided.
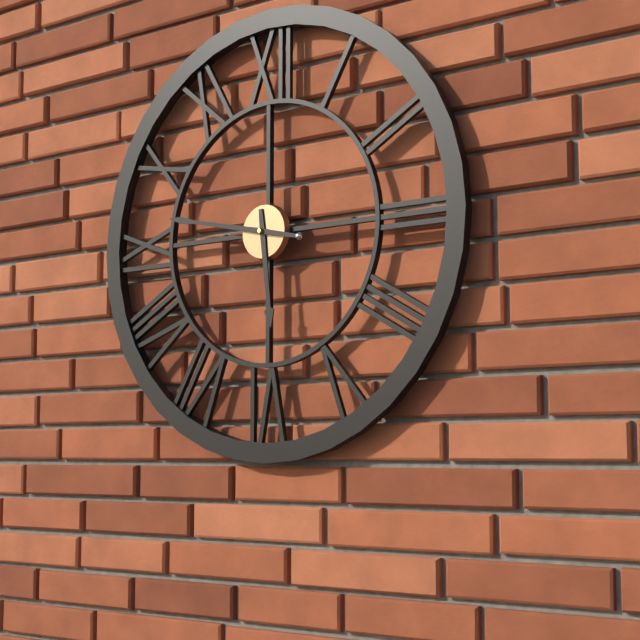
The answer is 5:47
